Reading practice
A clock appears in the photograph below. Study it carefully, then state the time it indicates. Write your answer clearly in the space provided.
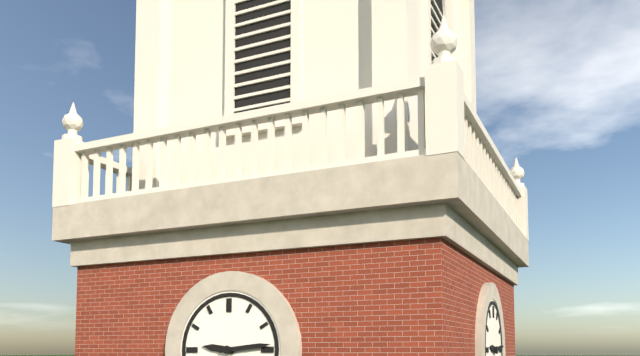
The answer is 9:14
